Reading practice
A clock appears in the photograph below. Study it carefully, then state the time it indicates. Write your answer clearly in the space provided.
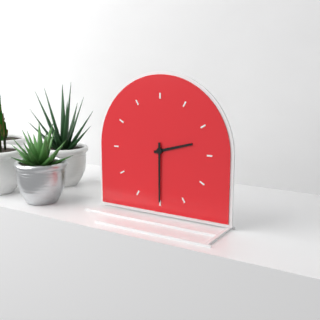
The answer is 2:30
